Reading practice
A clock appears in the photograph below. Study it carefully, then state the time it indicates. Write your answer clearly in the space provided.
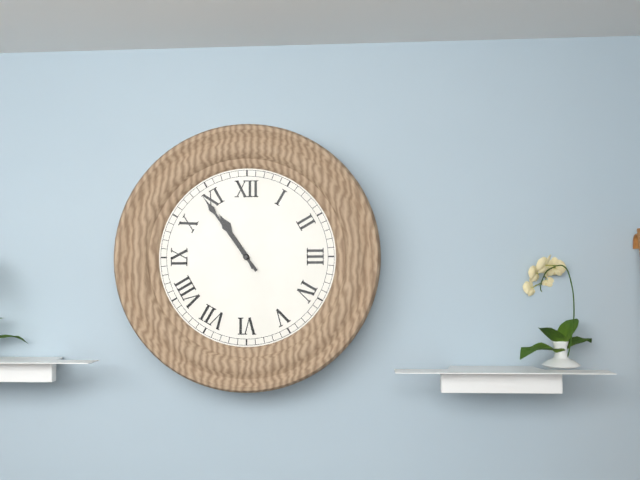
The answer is 10:54
